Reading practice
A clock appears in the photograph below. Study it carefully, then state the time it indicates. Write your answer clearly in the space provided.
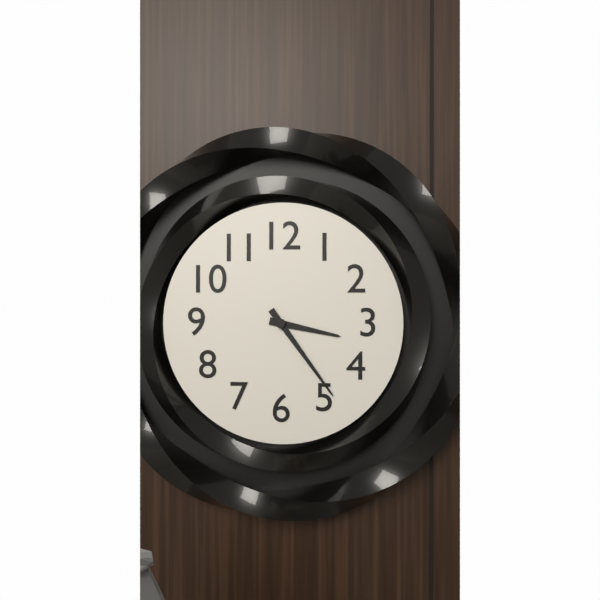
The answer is 3:24
